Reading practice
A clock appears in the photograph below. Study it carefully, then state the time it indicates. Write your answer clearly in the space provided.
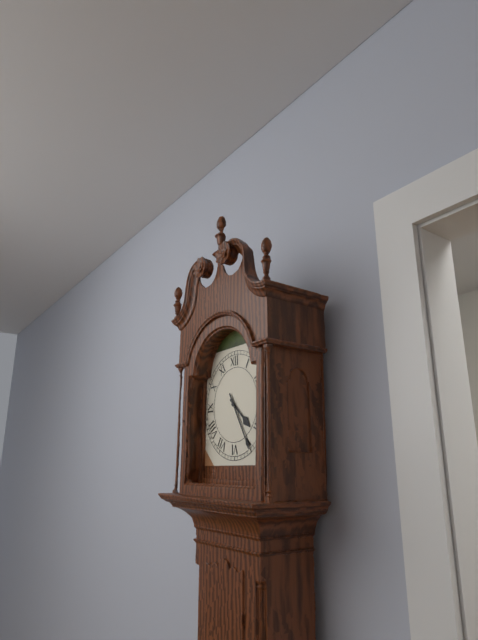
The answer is 4:25
